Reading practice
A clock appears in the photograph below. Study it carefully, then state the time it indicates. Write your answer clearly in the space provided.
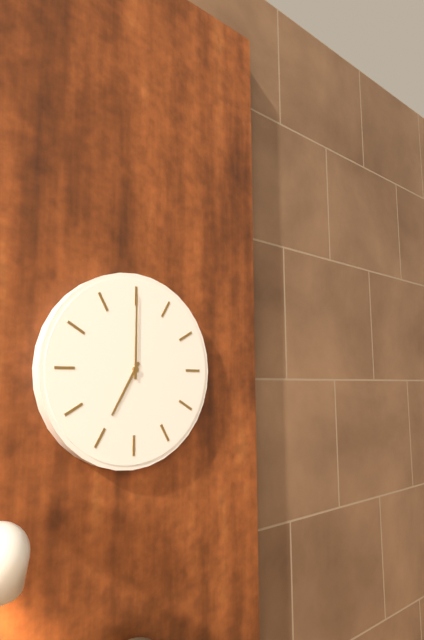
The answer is 7:00
